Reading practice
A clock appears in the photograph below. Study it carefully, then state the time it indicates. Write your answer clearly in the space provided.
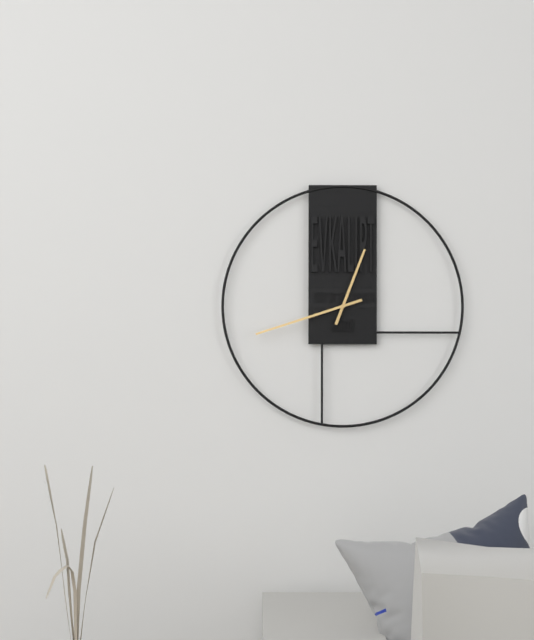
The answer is 12:42
